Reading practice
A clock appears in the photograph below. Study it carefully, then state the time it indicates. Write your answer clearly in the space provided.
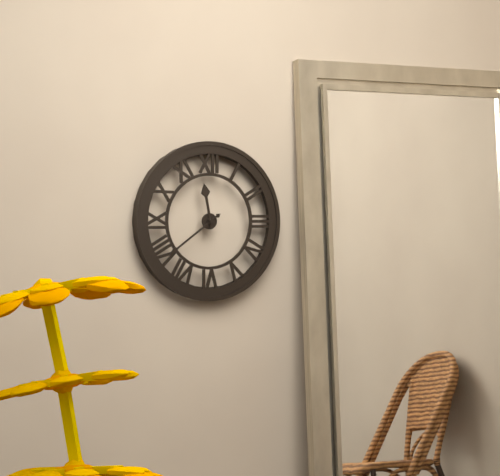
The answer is 11:39
